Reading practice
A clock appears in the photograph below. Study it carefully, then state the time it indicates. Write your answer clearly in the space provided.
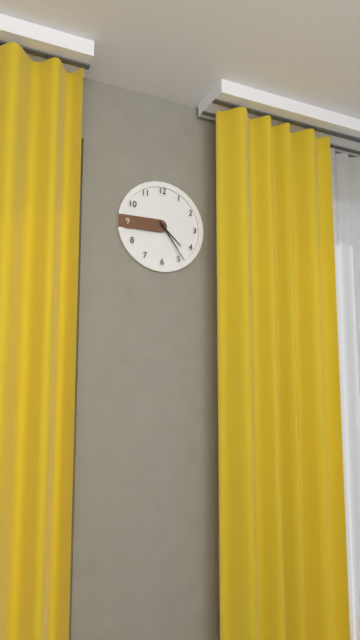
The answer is 4:24
